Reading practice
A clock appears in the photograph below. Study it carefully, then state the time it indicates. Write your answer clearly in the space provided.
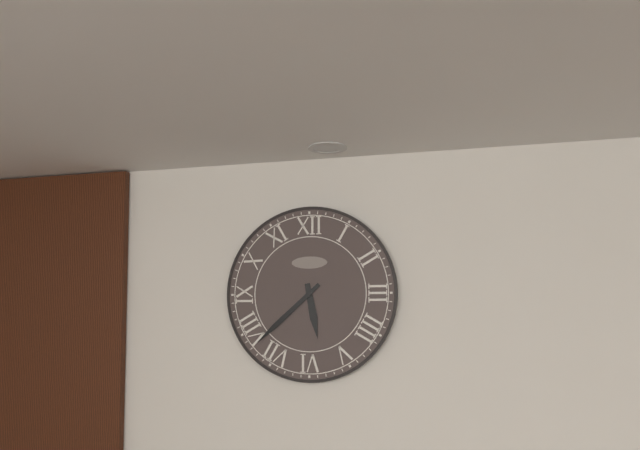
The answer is 5:38
